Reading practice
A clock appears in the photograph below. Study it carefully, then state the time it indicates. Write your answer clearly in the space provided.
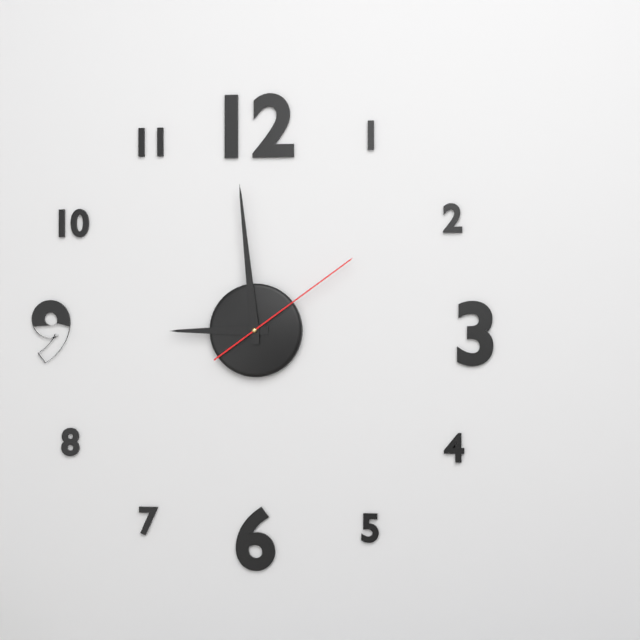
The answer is 8:59:09
